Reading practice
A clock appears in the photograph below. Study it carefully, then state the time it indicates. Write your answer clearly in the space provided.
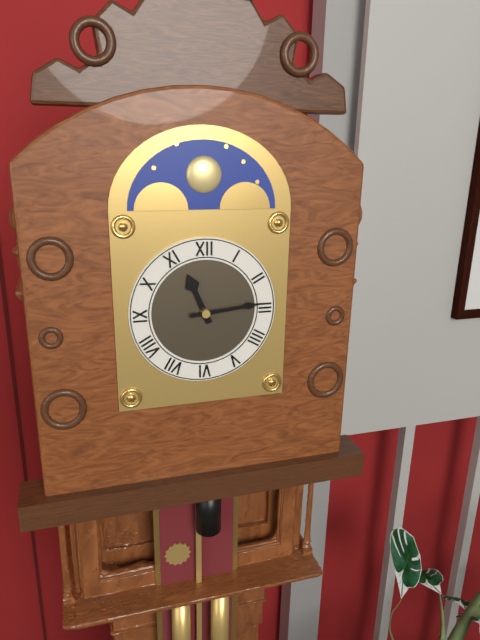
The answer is 11:14
